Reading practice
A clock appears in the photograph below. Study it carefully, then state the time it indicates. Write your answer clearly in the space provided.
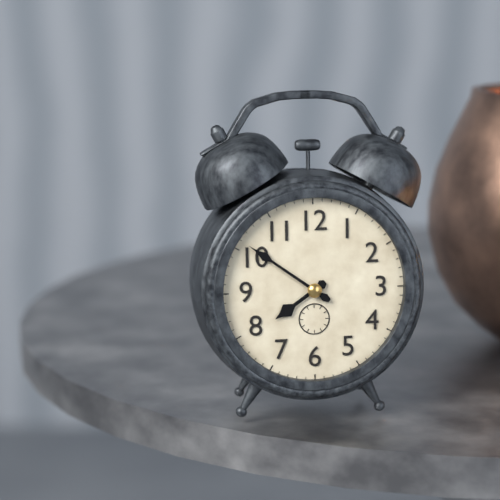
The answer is 7:51
